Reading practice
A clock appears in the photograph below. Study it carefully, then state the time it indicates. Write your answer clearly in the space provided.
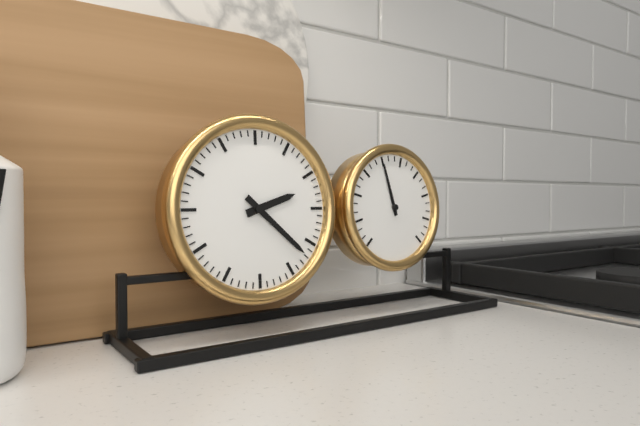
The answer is 2:22
